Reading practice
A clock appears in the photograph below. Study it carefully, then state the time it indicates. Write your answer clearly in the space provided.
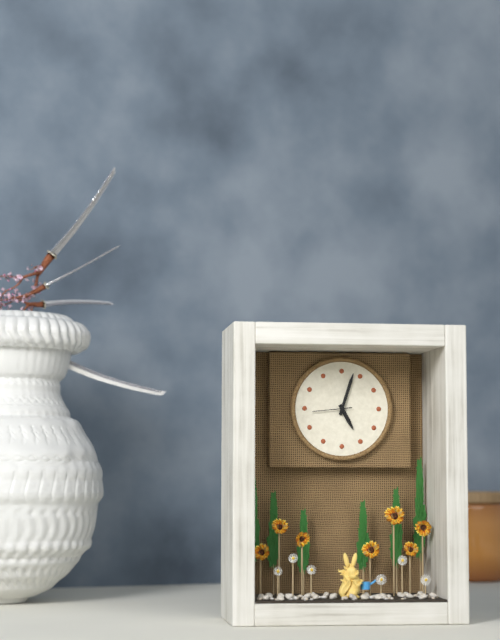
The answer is 5:03
